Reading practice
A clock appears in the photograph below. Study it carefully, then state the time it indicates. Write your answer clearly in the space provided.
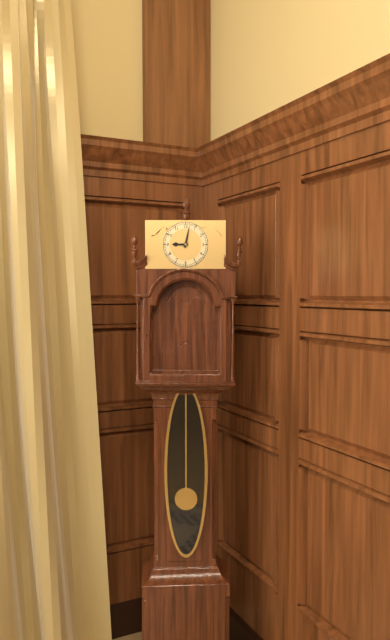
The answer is 9:02
